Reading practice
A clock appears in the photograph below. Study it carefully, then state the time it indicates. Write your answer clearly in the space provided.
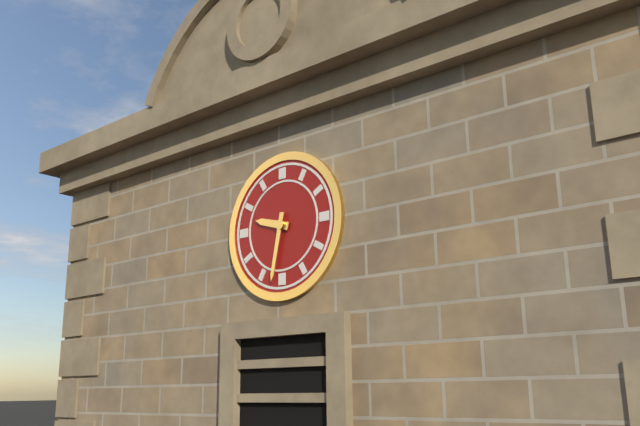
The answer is 9:32
